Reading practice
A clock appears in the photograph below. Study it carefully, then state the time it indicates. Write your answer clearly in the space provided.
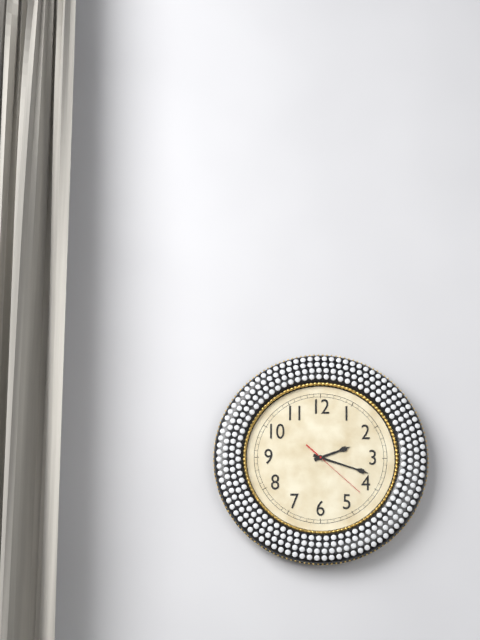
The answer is 2:18:22
